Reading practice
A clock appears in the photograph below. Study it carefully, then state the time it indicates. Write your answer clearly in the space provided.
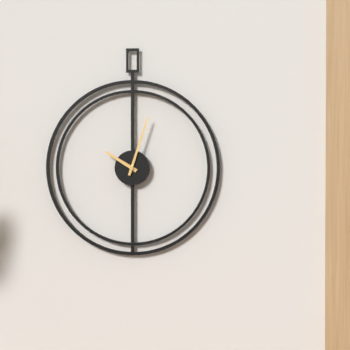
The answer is 10:03
